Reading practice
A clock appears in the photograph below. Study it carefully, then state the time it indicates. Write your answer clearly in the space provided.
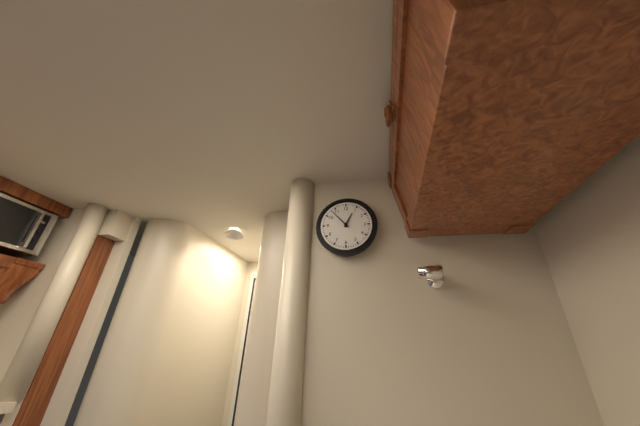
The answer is 12:53
